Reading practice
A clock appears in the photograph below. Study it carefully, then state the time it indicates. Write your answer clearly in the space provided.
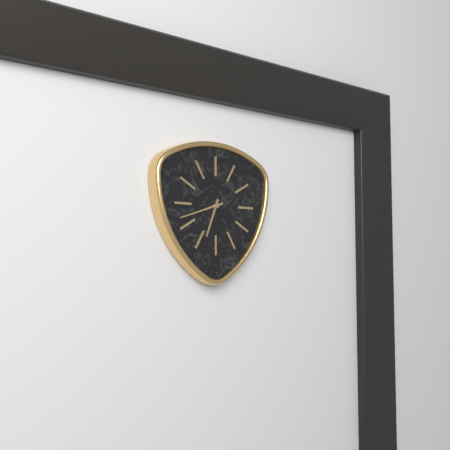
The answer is 6:42
